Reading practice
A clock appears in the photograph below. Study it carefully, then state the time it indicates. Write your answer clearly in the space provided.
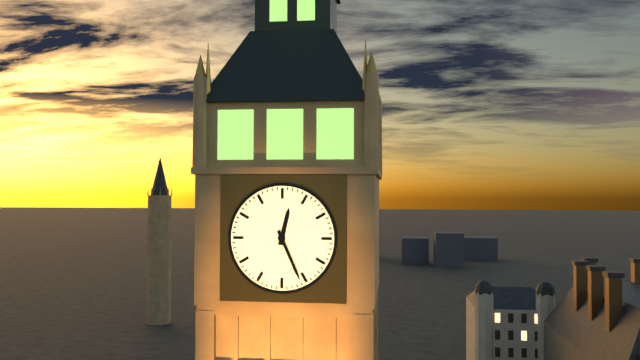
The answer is 12:26
